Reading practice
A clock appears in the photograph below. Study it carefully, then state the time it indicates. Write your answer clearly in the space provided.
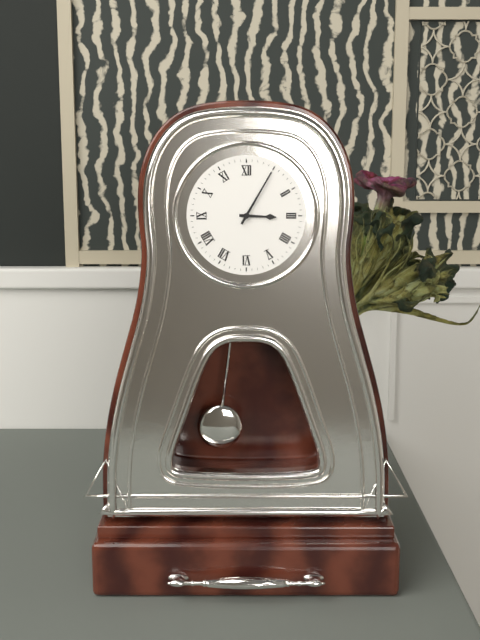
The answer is 3:05
